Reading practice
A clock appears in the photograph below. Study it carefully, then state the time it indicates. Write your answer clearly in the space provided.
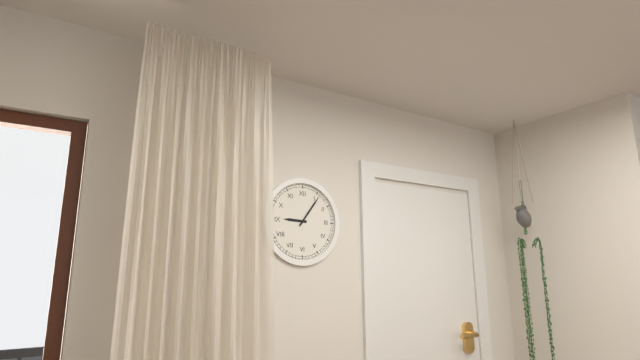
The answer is 9:06
